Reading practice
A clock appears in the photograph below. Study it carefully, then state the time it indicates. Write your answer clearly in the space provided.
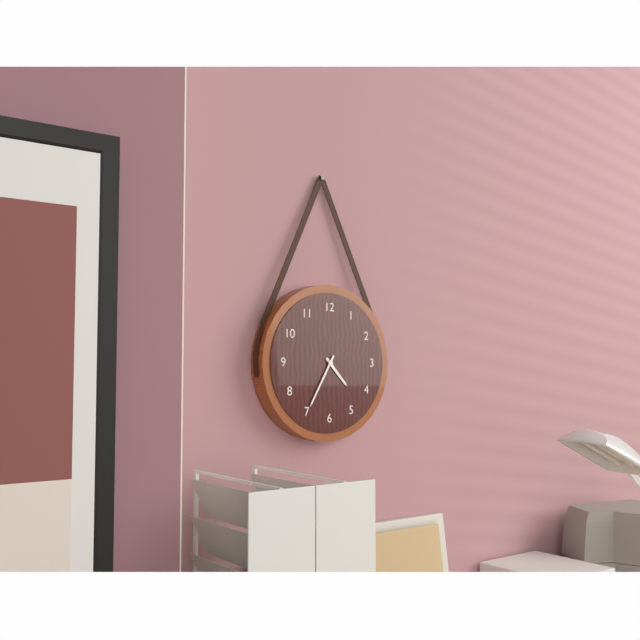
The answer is 4:35
